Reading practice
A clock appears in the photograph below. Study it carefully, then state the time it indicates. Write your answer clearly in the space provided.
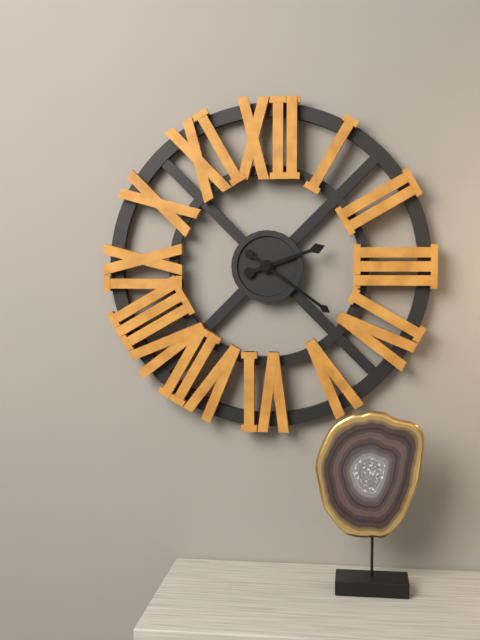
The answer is 2:21
